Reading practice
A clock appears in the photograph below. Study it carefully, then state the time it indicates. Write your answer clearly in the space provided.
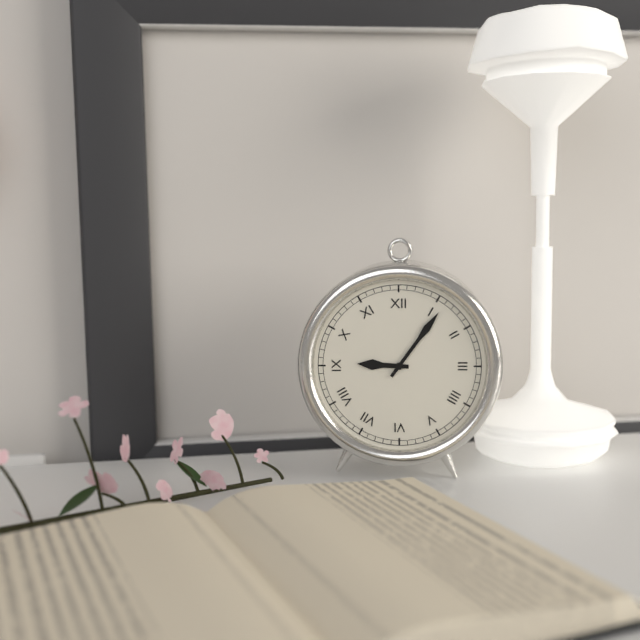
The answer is 9:06
